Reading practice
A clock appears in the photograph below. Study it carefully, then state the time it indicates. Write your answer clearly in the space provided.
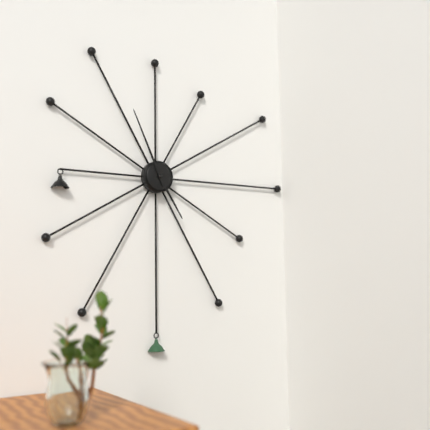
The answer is 4:56
